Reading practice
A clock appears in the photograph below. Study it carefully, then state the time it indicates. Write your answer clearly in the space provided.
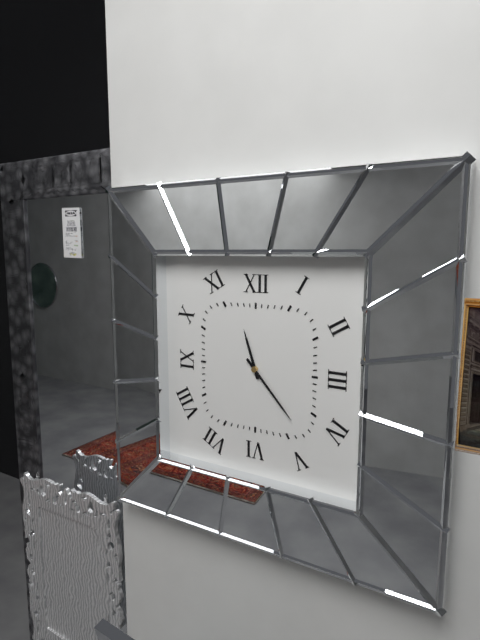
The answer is 11:23
